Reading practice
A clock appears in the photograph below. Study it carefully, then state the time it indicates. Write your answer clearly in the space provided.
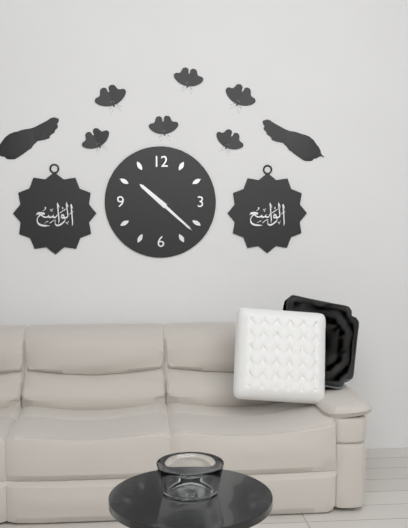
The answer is 10:22
